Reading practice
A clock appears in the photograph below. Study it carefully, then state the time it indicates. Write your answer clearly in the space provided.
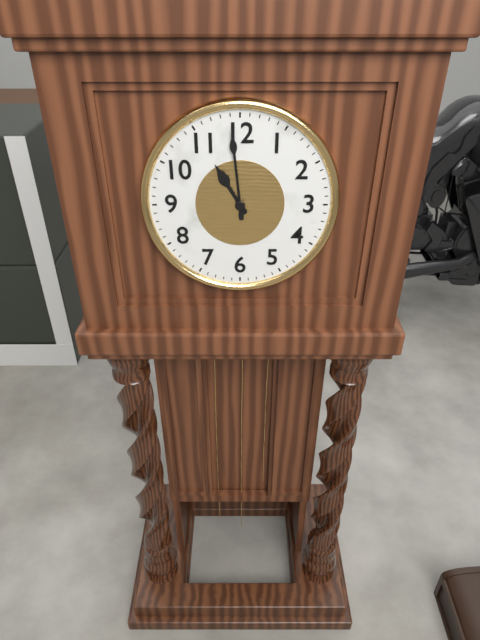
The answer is 10:59
